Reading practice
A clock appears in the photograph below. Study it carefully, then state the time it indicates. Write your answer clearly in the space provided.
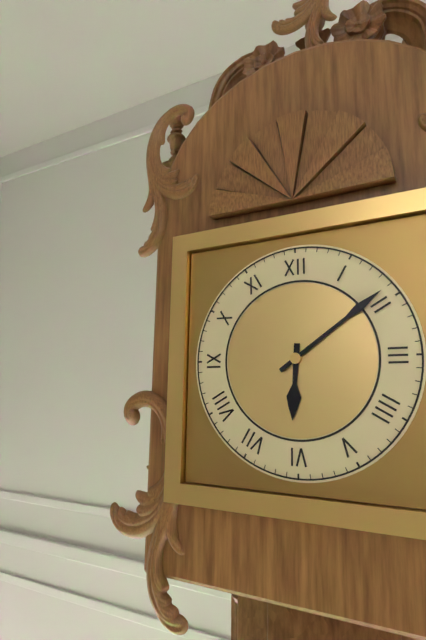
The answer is 6:09
